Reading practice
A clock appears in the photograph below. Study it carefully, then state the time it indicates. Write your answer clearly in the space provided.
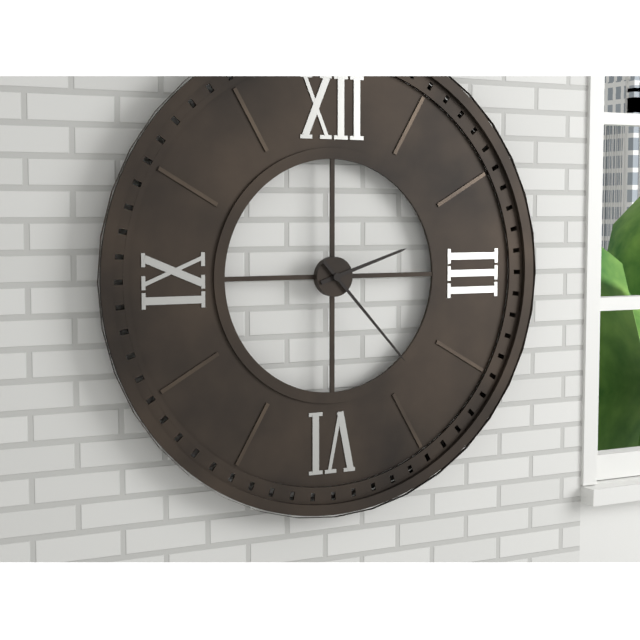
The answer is 2:23
